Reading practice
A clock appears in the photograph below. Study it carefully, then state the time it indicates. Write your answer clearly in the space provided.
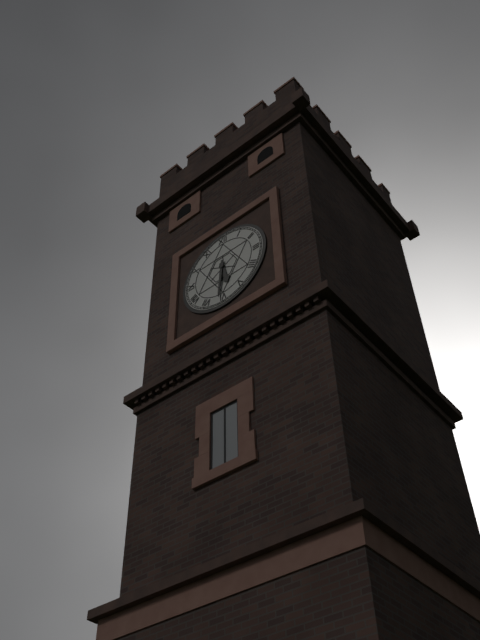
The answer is 5:31
